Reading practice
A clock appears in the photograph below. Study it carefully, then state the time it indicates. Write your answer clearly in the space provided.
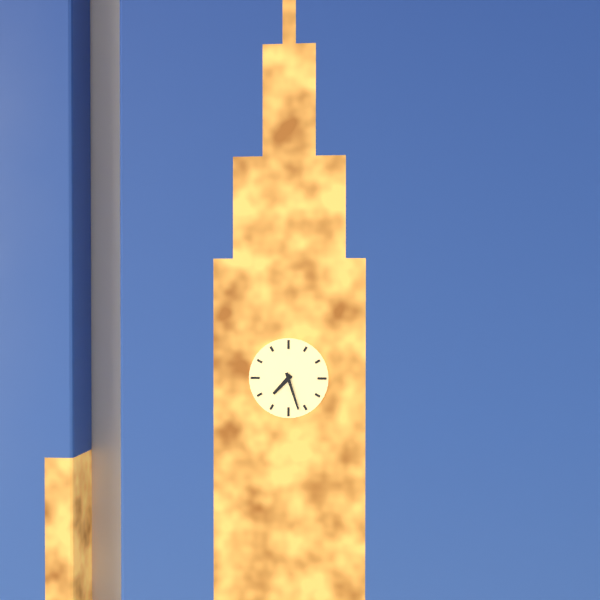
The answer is 7:27
